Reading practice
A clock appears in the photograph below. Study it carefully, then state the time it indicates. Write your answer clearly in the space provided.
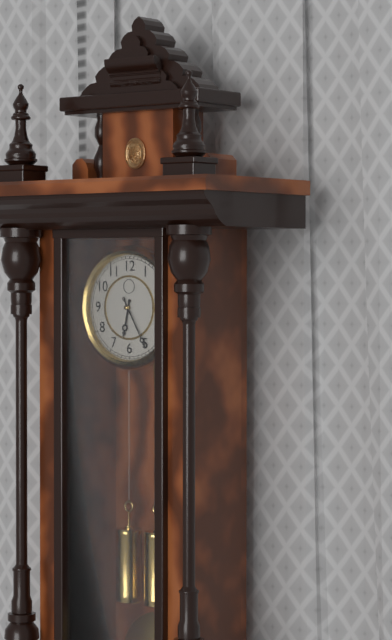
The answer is 6:25
